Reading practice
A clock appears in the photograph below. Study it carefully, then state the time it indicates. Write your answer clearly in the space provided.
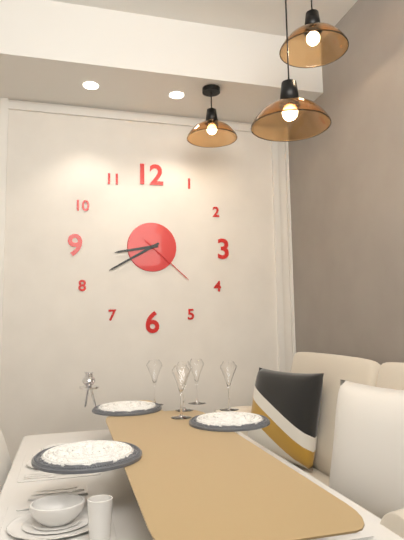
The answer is 8:40:22
